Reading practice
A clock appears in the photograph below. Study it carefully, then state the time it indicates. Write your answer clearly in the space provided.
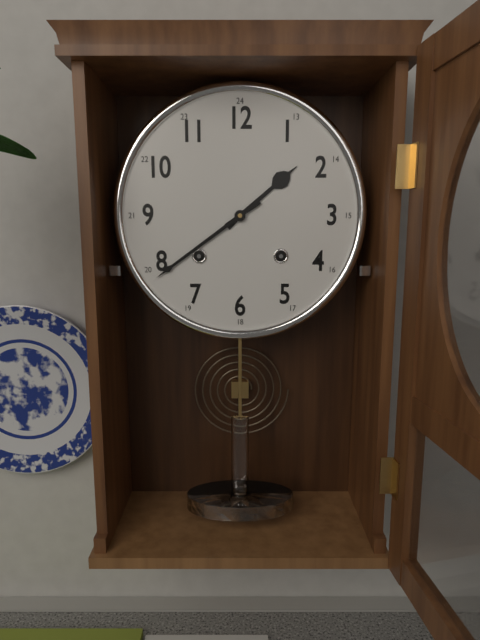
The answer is 1:39
